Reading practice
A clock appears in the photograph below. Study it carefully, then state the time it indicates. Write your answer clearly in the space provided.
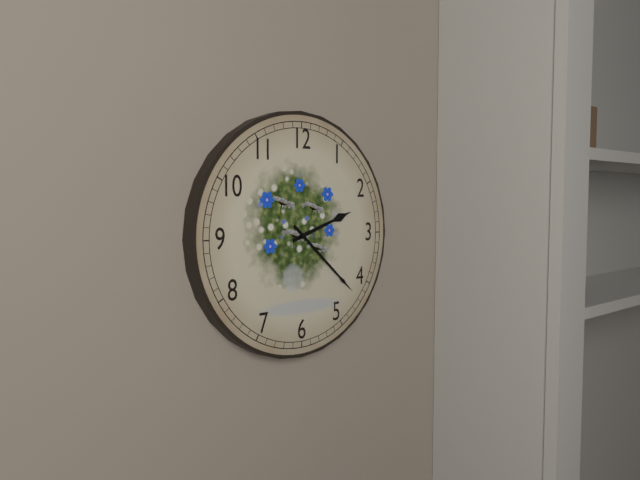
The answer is 2:22
